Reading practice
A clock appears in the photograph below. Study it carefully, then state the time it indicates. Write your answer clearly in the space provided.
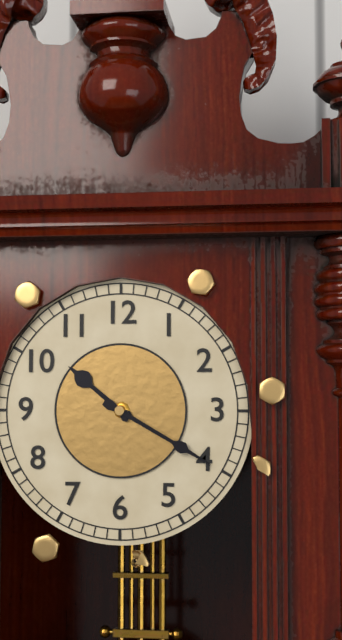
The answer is 10:20
